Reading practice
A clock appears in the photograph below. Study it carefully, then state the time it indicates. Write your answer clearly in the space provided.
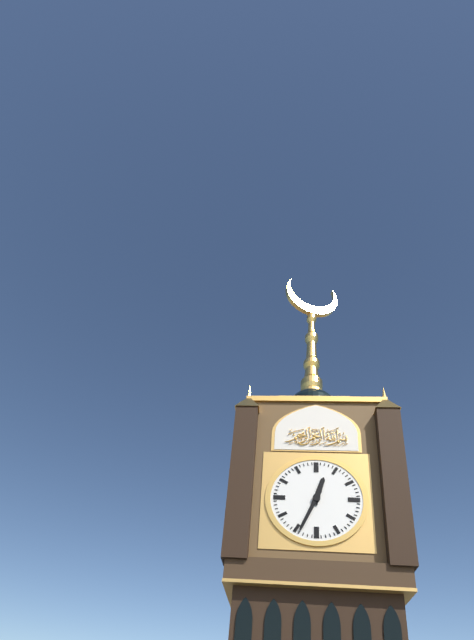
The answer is 12:34
